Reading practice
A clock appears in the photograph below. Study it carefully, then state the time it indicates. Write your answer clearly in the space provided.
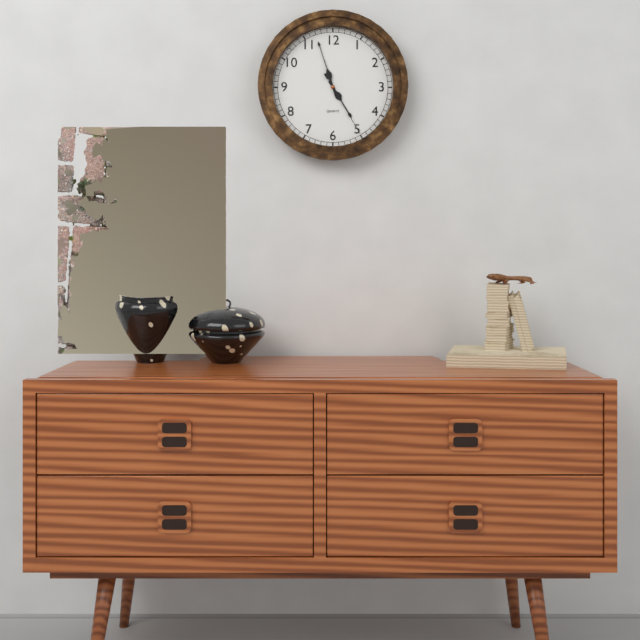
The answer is 4:57:25
